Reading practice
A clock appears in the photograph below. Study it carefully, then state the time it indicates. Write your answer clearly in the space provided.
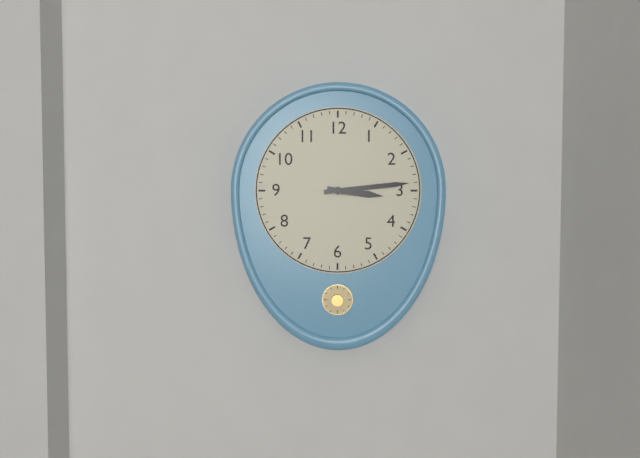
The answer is 3:14
